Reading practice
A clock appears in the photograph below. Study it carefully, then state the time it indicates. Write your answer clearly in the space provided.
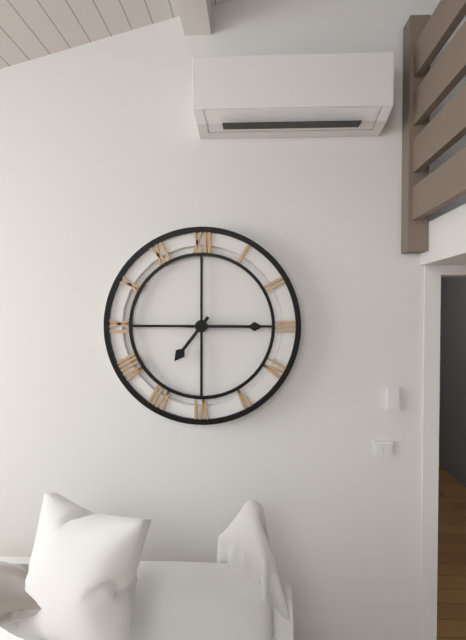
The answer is 7:15
